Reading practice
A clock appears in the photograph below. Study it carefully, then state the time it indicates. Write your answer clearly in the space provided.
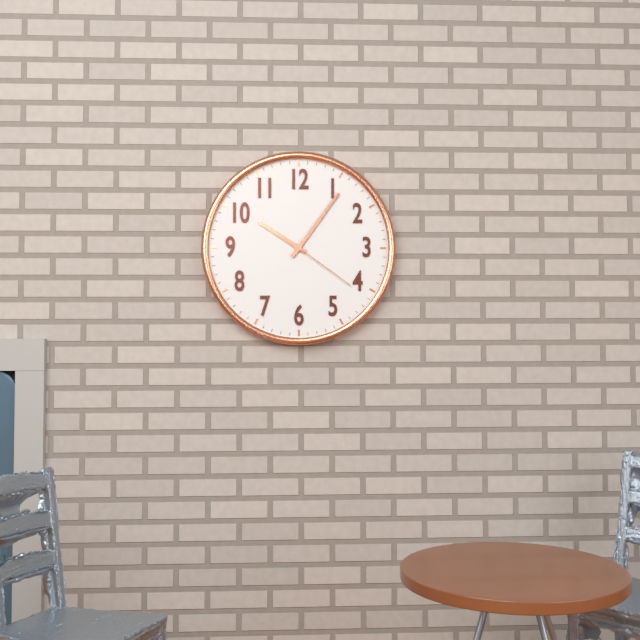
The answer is 10:06:21
